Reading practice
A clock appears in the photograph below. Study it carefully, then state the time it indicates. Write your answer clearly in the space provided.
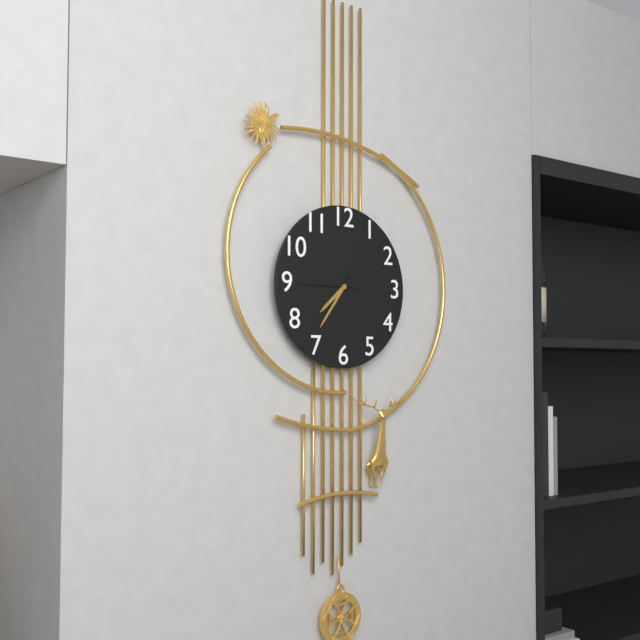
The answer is 7:36:45
